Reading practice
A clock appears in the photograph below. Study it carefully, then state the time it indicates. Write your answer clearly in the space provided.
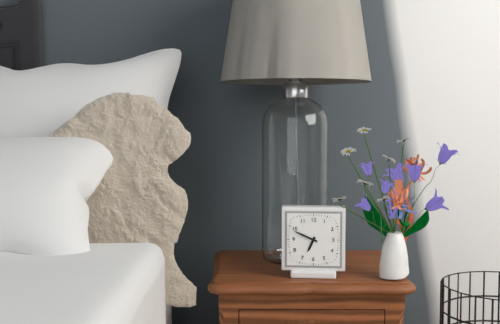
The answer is 6:49
